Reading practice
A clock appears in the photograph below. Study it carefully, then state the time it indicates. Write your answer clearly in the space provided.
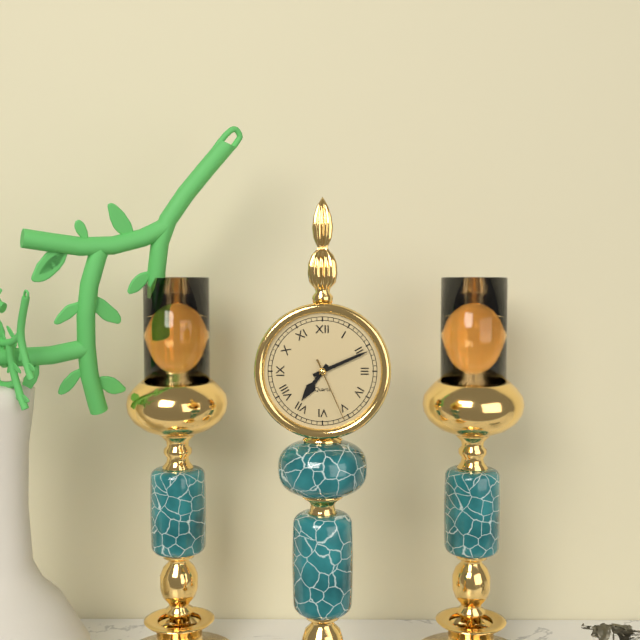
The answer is 7:11:26
